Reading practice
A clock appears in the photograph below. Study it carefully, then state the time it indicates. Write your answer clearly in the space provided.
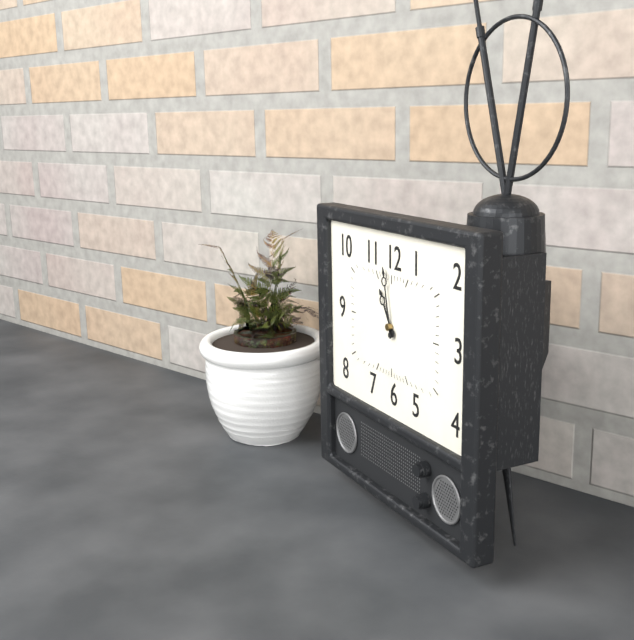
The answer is 10:58
